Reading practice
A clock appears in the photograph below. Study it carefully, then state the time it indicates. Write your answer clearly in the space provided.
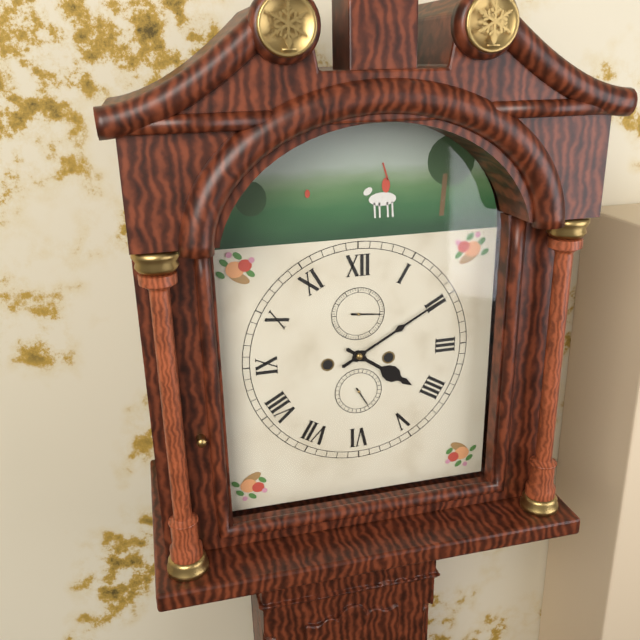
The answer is 4:10
